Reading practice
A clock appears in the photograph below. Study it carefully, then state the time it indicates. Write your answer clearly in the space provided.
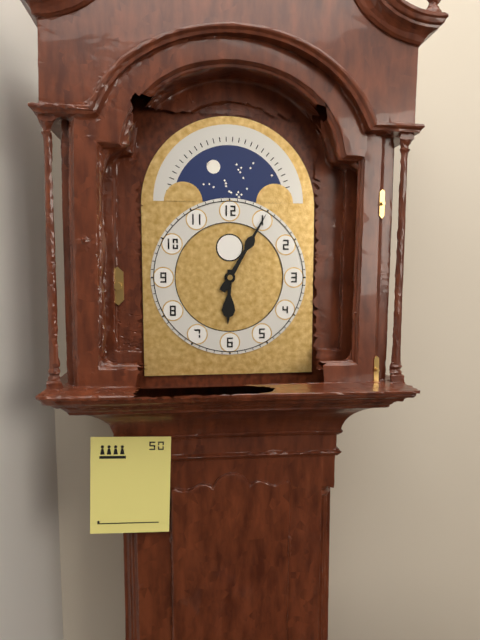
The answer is 6:05
